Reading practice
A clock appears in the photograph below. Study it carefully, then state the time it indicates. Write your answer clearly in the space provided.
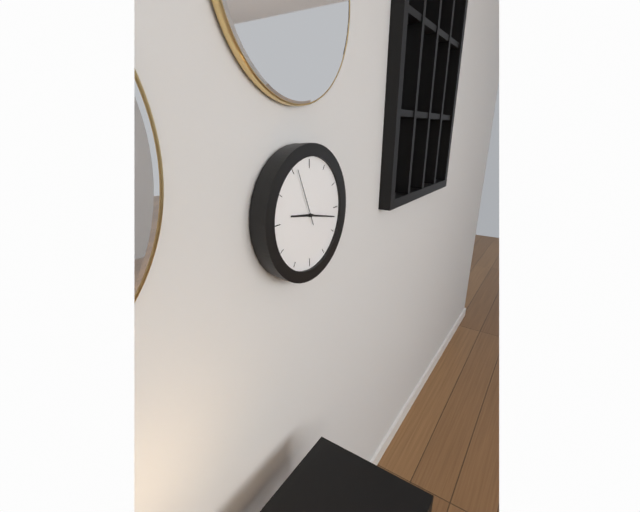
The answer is 9:17:56
